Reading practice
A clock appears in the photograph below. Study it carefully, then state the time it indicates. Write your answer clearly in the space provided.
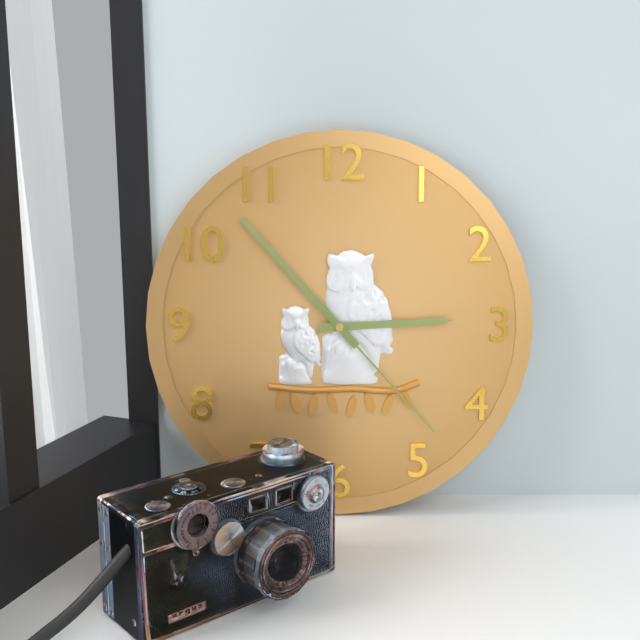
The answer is 2:53:23
